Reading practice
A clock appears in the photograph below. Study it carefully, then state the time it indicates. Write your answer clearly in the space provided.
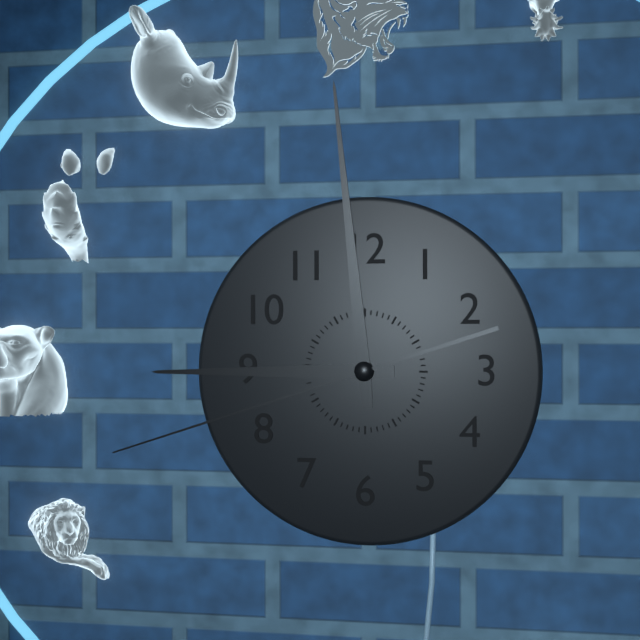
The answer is 8:59:42
